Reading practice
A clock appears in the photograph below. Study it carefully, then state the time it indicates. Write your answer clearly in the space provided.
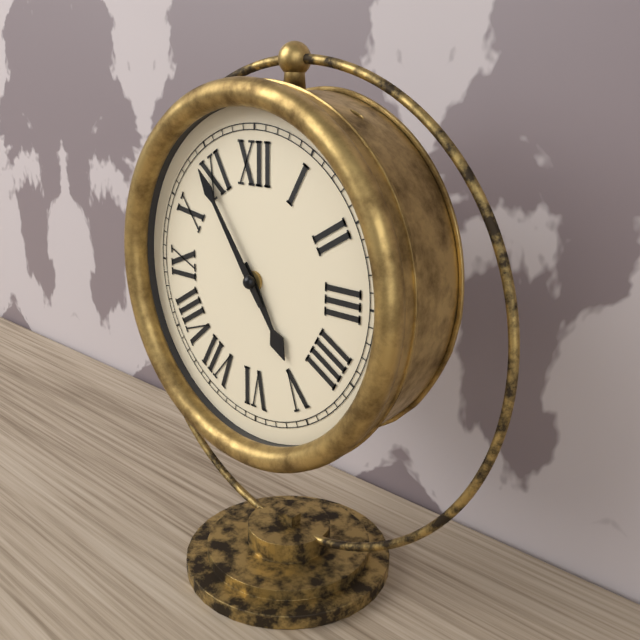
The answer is 4:54
